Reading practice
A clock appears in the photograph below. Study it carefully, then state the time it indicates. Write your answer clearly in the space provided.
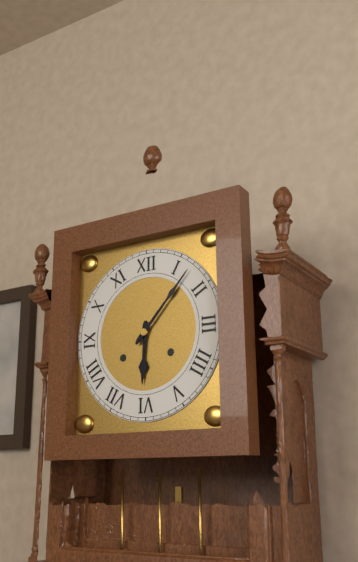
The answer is 6:07
